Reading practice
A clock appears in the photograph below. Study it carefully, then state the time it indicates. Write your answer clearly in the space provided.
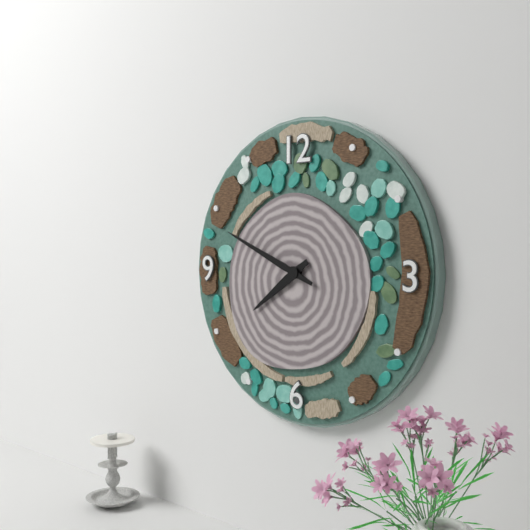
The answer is 7:49
